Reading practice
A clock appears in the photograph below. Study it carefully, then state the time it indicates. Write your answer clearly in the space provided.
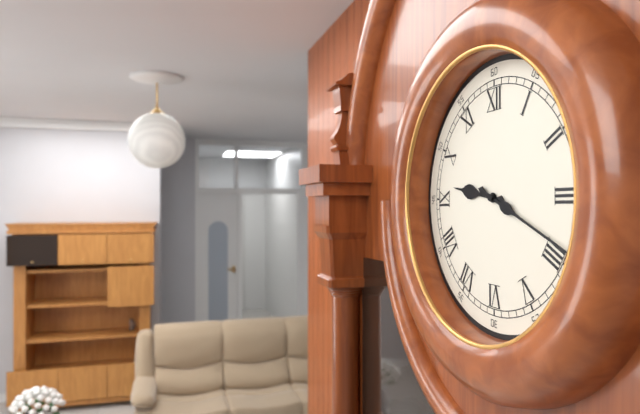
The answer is 9:19
